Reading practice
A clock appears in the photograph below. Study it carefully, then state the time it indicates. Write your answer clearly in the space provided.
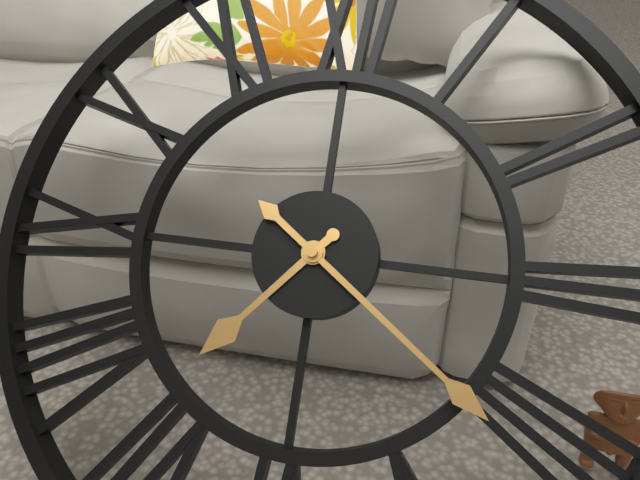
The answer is 7:21
